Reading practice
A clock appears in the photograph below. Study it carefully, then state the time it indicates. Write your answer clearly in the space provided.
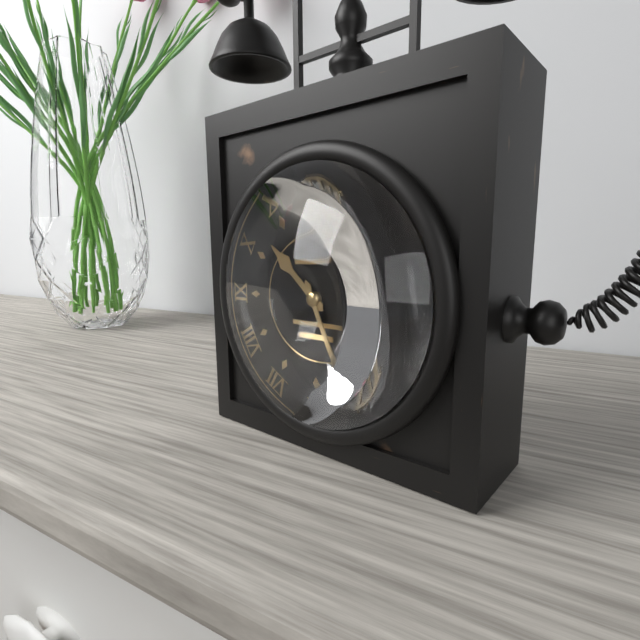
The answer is 10:26
